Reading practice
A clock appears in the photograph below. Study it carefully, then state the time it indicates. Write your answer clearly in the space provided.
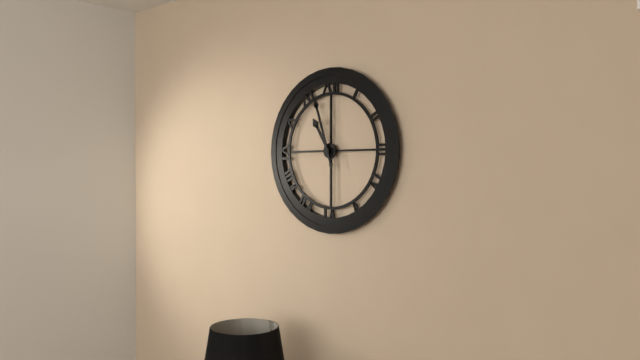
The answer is 10:57
